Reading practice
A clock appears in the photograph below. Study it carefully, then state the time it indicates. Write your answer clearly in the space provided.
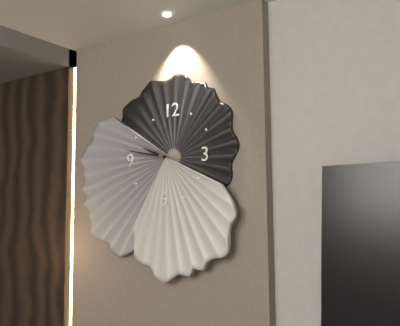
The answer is 9:47
